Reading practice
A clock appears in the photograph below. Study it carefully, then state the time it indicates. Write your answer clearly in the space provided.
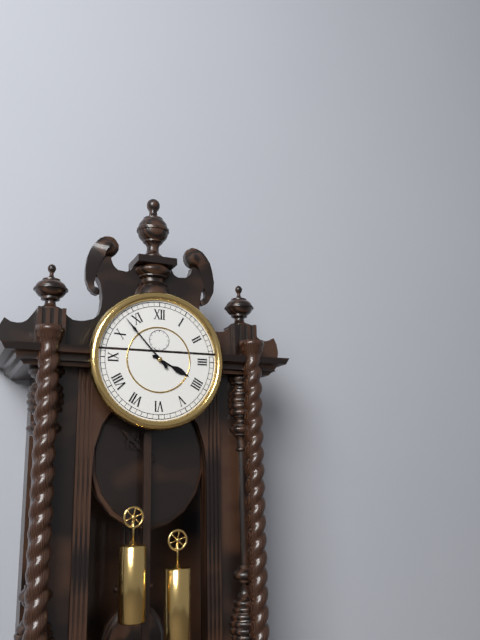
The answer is 3:53
